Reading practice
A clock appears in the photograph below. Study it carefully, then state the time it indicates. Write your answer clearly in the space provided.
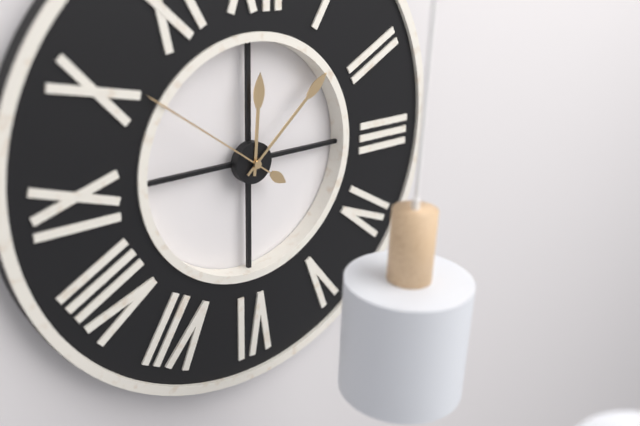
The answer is 12:08:51
